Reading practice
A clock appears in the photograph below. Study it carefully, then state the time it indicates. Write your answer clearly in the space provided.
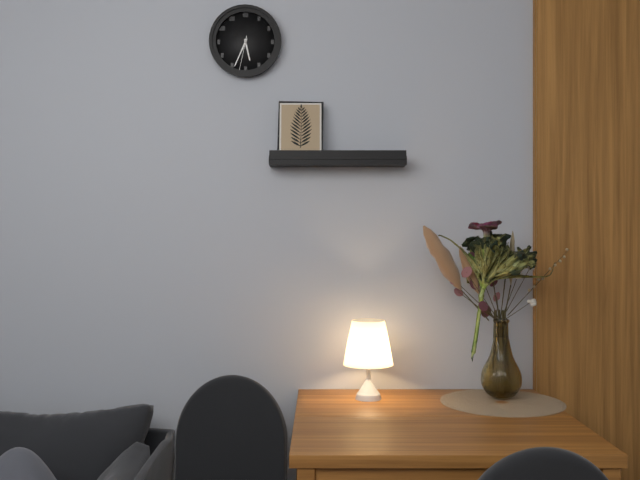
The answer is 5:34
